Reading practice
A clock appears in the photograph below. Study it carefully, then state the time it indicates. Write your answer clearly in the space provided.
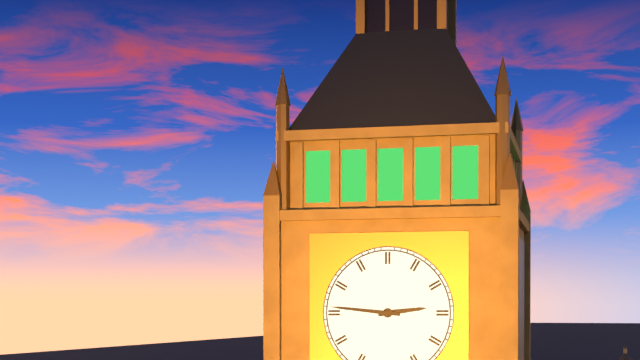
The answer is 2:46
